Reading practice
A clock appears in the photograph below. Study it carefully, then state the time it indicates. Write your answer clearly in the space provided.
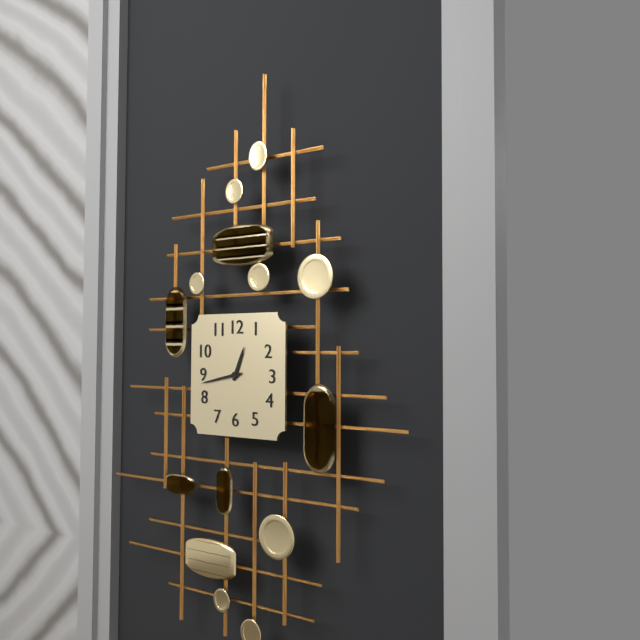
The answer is 12:43
